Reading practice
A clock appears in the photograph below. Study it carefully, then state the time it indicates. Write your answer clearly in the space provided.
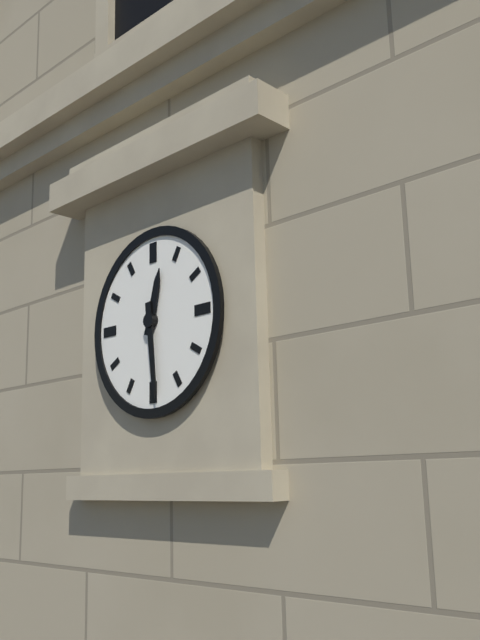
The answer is 12:29
